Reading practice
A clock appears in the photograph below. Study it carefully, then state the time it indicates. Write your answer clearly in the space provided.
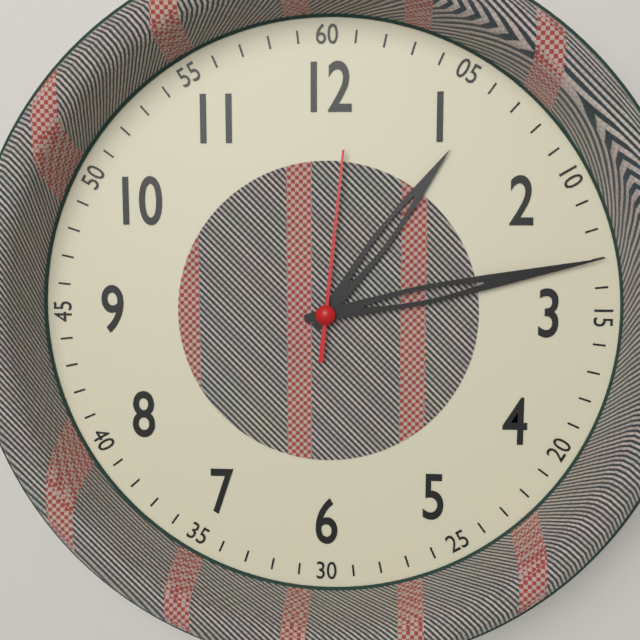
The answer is 1:13:01
